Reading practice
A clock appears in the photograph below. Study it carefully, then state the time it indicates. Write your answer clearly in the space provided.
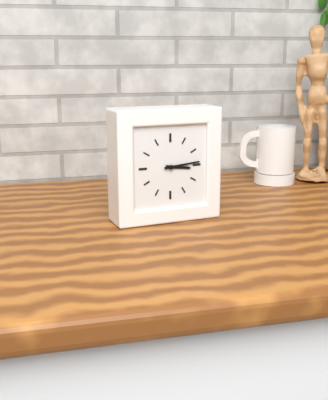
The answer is 3:14
